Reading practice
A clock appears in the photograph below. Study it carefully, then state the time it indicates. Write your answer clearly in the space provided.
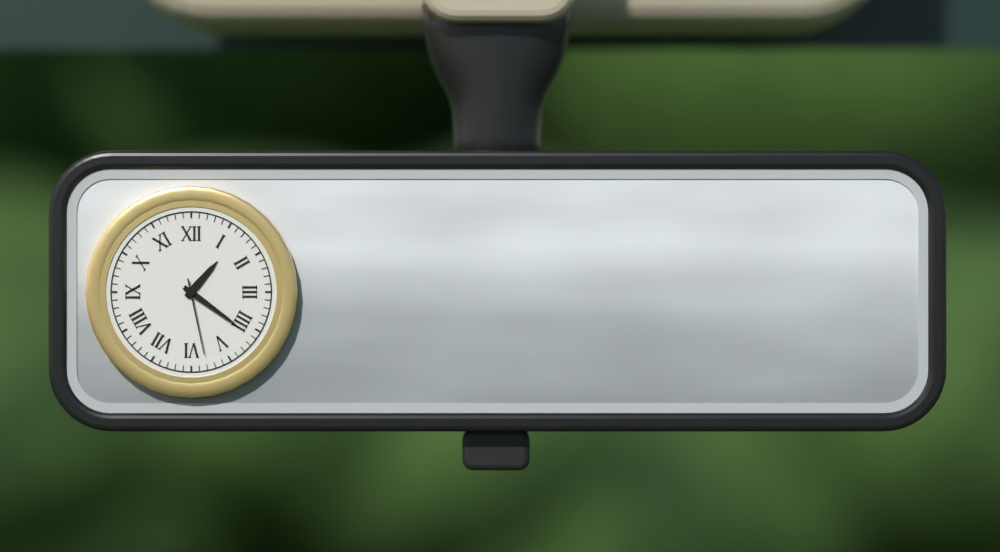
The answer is 1:21:28
